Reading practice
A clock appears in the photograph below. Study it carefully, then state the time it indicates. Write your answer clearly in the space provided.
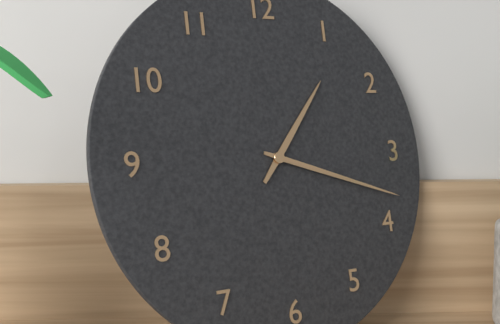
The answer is 1:18
